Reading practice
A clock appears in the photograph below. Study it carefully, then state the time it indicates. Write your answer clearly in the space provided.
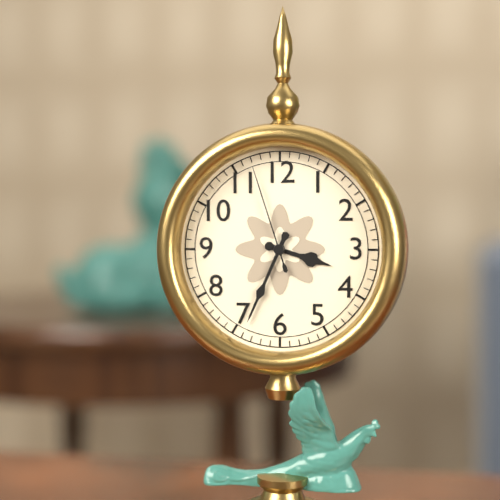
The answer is 3:34:57
